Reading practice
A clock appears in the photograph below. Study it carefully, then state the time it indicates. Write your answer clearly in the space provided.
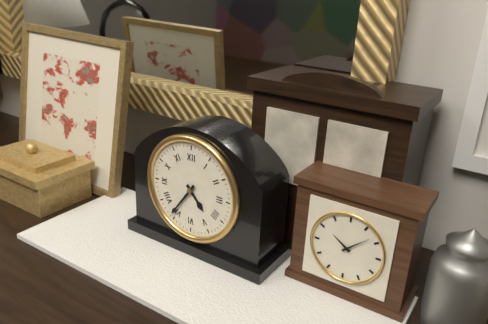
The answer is 4:36
